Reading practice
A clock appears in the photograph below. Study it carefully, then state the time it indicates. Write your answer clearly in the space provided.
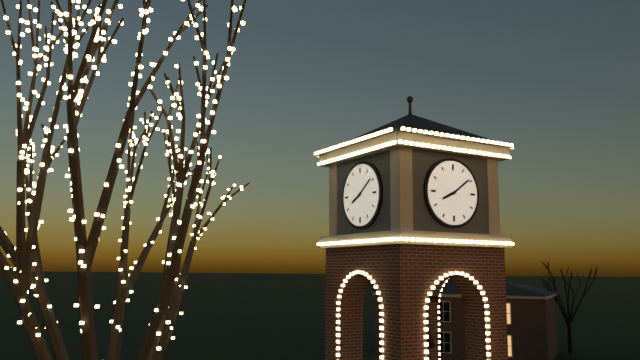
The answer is 8:09
